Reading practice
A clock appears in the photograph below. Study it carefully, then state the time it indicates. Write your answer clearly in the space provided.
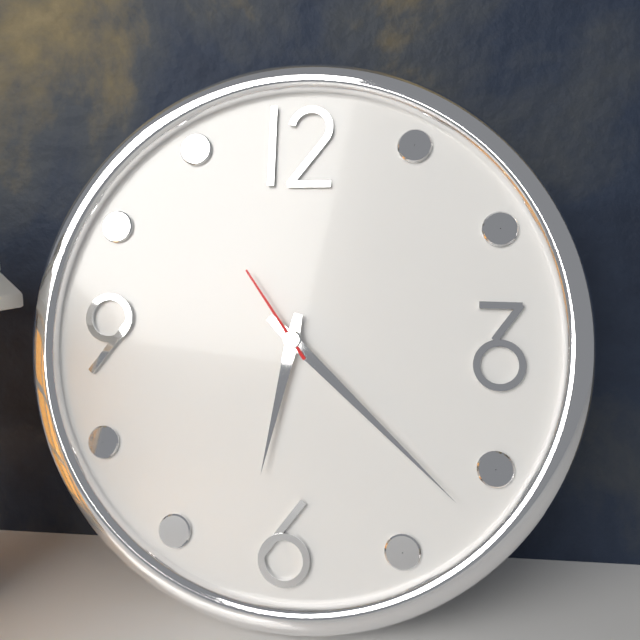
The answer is 6:22:54
